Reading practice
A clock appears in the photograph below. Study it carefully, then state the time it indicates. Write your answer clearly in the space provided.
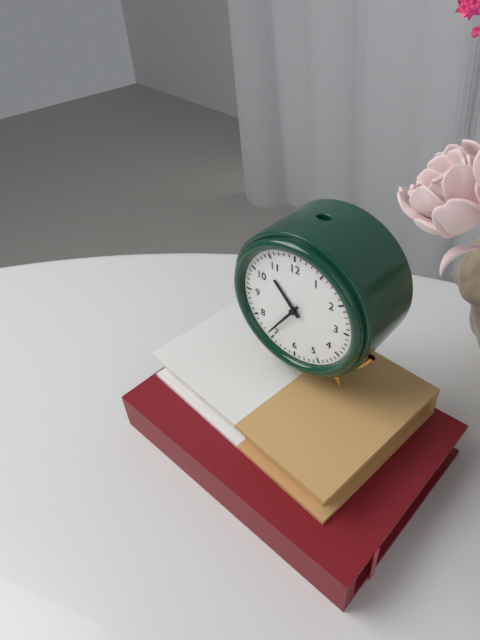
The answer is 10:36
